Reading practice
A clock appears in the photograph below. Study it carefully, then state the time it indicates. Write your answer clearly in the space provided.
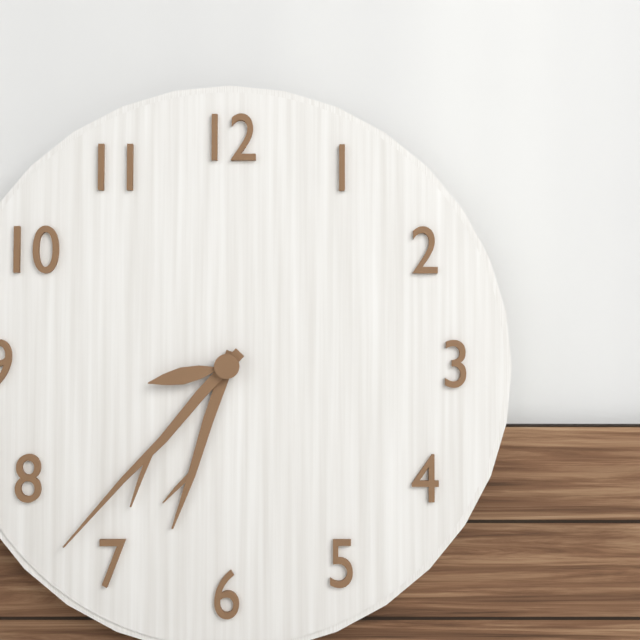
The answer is 6:37:43
